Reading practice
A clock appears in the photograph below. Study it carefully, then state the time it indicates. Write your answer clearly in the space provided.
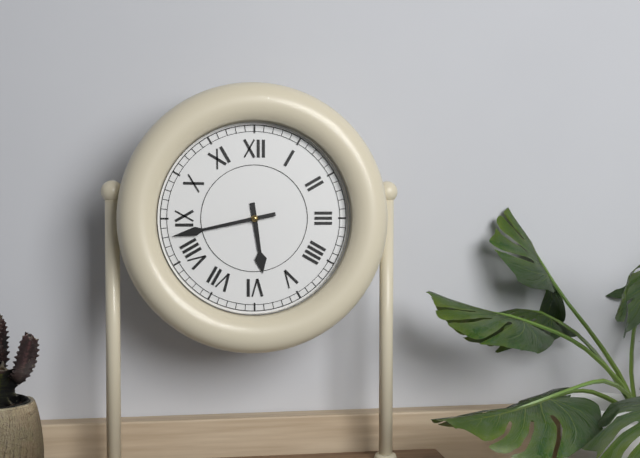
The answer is 5:43
